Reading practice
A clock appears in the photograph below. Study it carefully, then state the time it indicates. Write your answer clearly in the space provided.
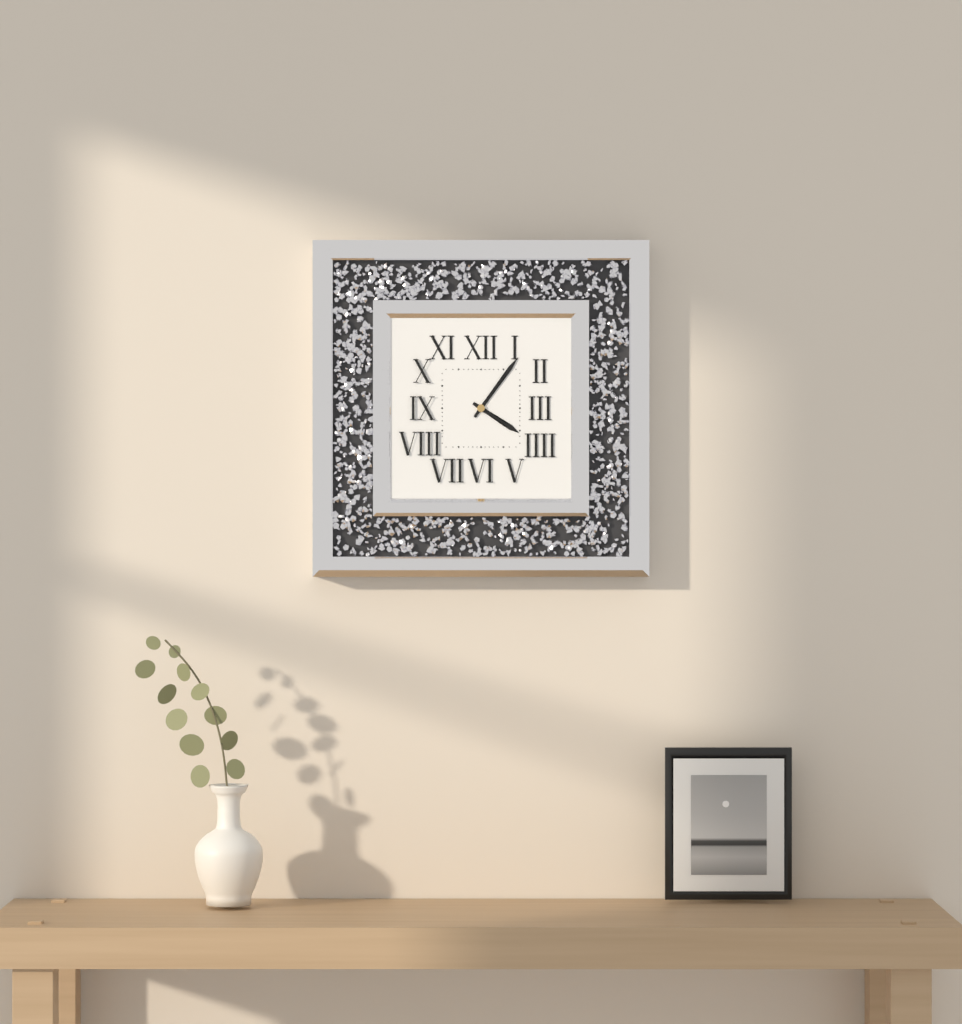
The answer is 4:06
